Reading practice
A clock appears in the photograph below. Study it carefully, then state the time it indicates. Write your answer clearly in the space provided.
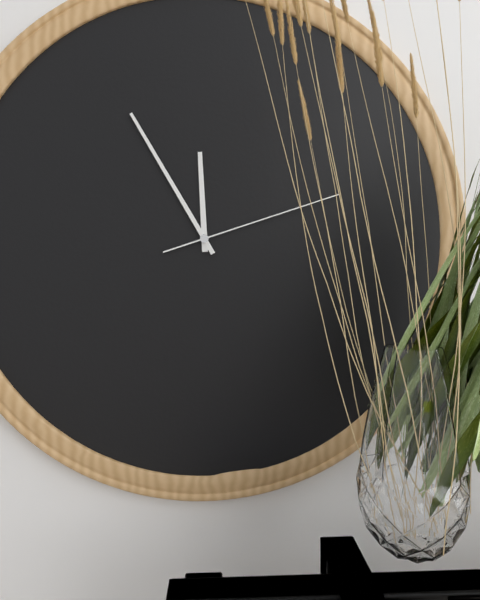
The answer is 11:55:12
